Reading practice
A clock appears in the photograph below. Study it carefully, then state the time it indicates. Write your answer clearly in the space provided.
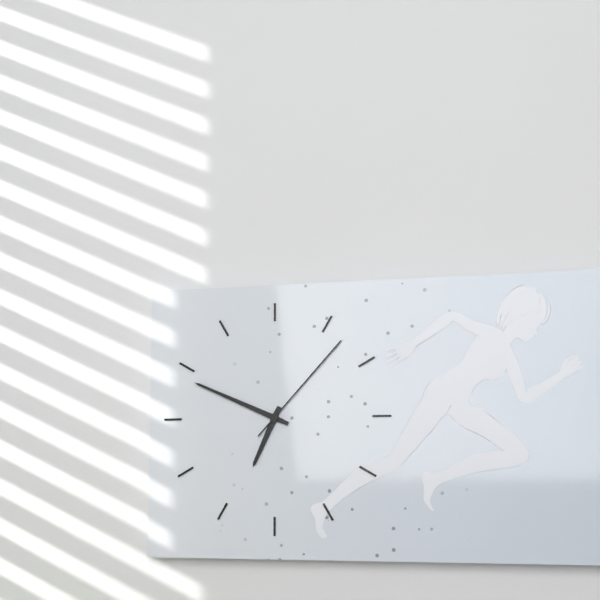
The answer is 6:49:07
